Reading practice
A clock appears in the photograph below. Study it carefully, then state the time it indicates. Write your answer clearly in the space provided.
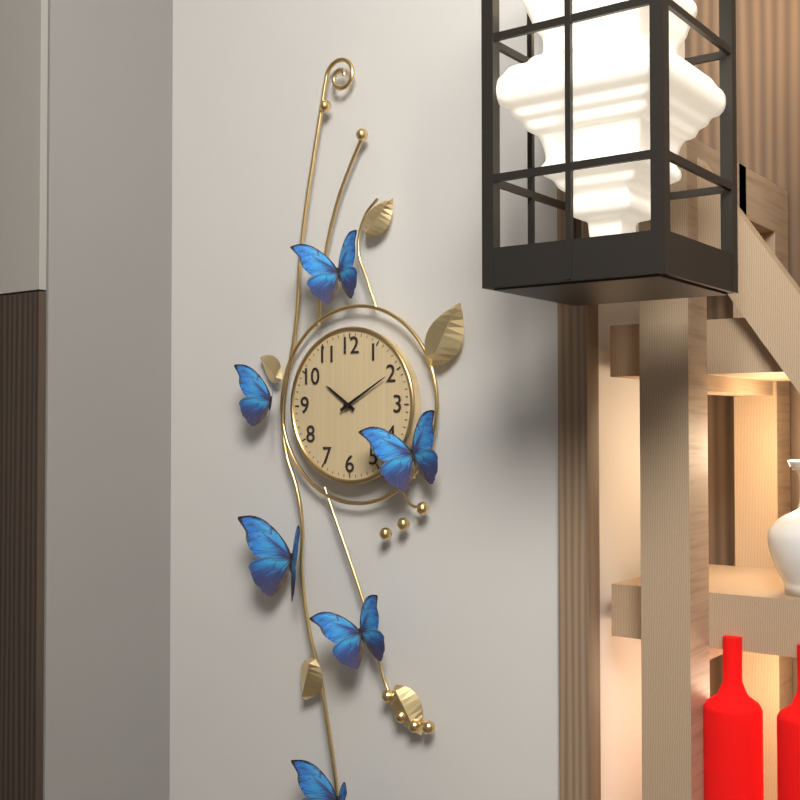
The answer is 10:10
